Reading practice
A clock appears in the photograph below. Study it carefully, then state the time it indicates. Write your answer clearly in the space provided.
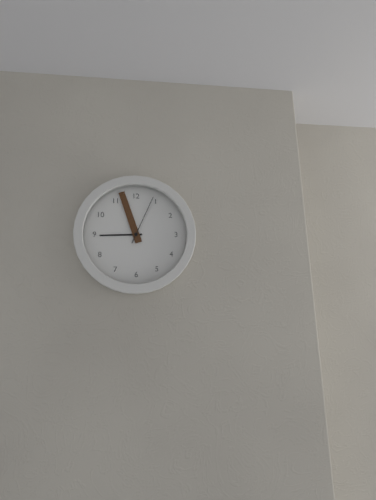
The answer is 8:57:04
